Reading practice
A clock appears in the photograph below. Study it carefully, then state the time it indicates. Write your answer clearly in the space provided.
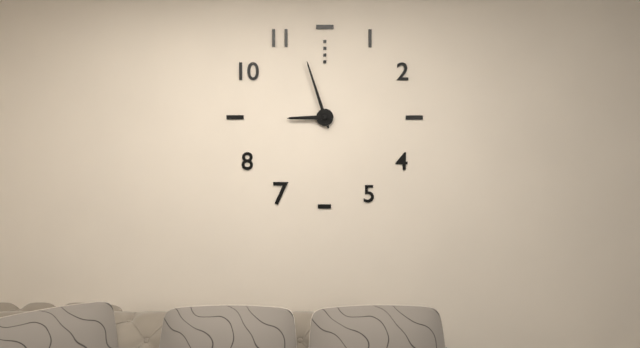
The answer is 8:57
